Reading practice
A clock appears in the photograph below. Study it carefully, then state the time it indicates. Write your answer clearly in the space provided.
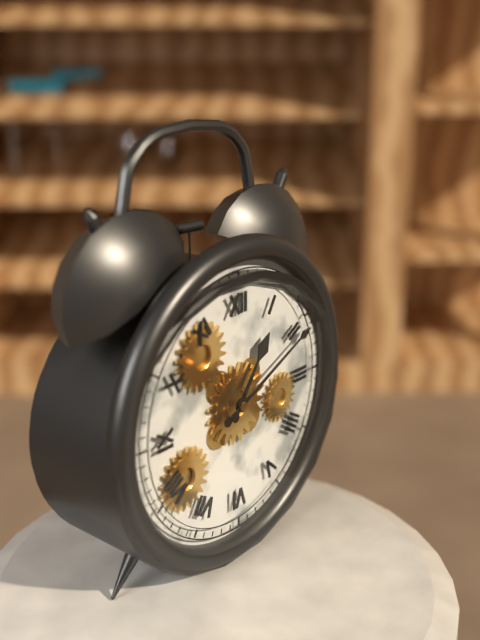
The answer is 1:11
